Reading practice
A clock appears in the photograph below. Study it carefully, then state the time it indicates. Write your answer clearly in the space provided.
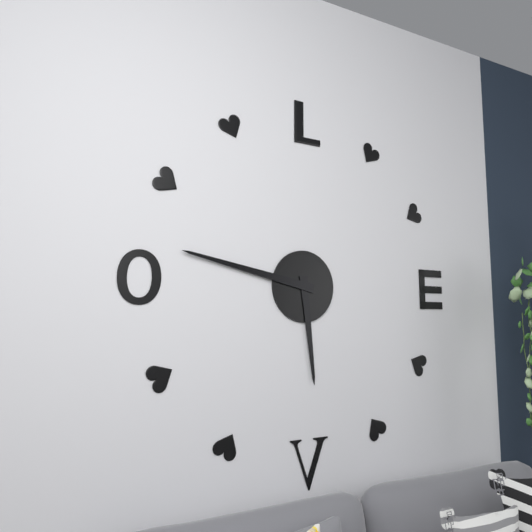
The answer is 5:47
